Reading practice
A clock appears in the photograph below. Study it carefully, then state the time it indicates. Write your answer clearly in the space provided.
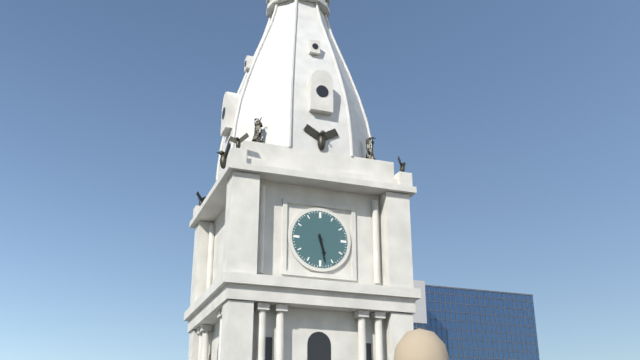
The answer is 5:28
